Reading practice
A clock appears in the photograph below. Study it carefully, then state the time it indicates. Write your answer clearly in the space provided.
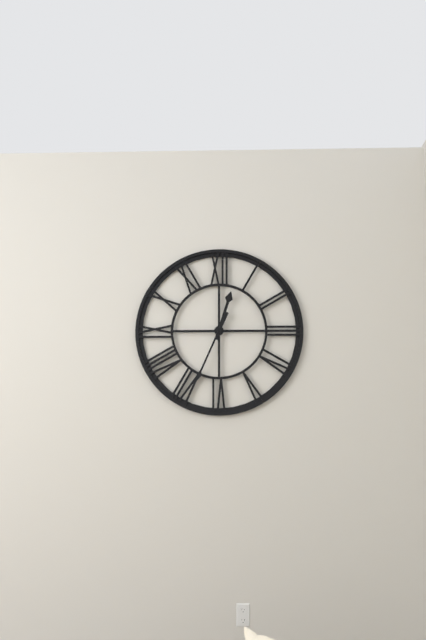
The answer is 12:34
